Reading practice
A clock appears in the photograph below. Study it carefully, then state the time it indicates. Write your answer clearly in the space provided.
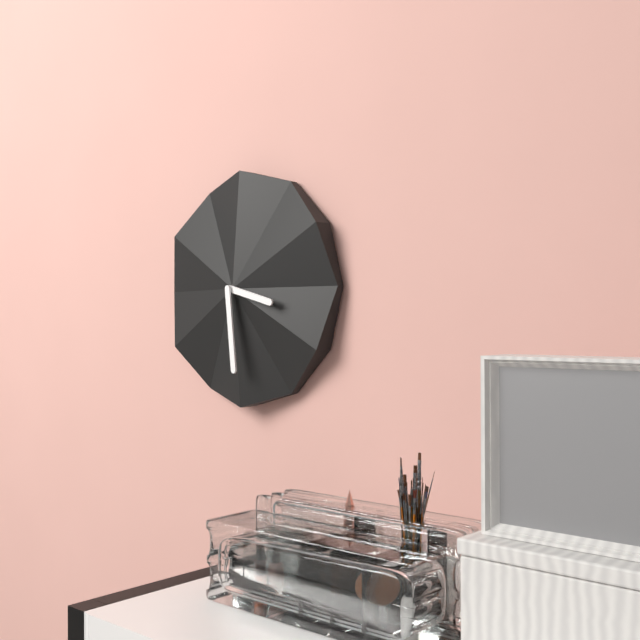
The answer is 3:29
